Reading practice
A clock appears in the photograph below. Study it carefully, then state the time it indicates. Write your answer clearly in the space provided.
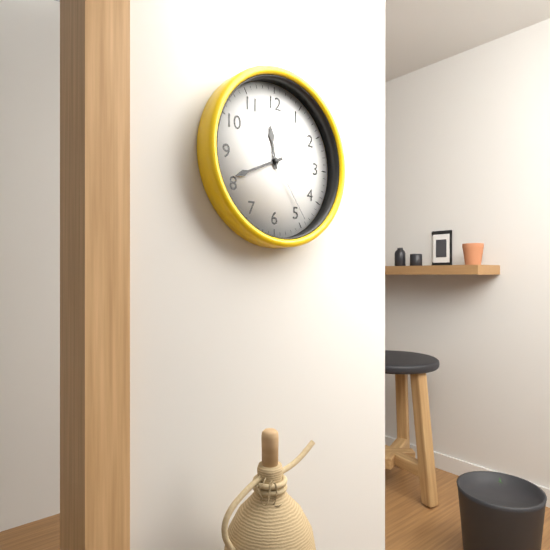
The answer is 11:41:24
